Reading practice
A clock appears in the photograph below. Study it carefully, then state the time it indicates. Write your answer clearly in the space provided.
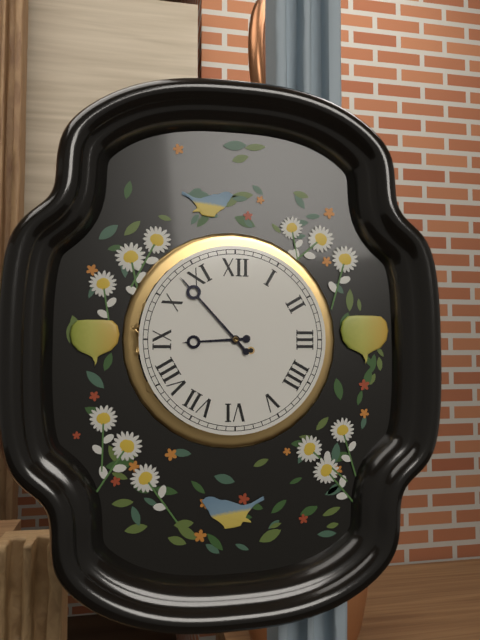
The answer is 8:53
